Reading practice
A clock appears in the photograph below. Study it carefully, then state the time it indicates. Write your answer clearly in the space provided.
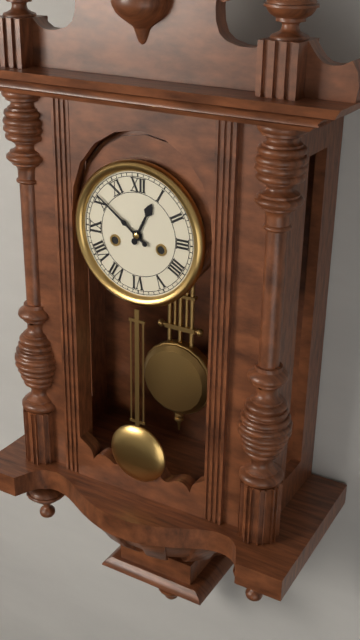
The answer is 12:51
